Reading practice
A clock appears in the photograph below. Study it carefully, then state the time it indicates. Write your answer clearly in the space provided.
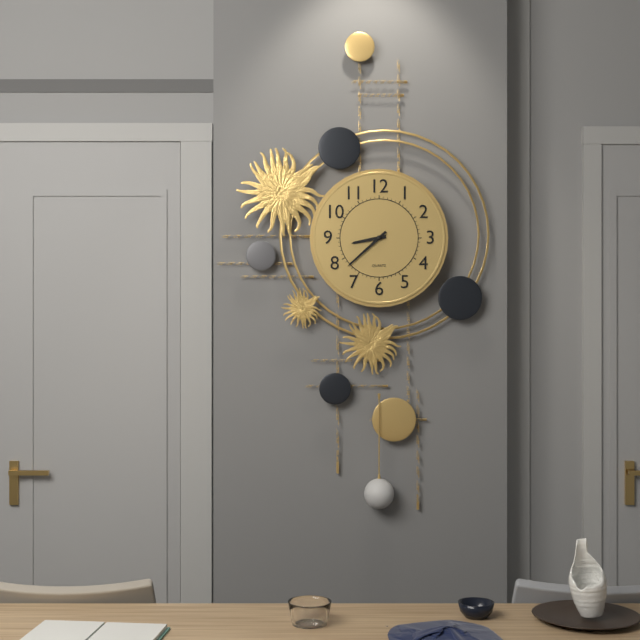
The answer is 8:38
